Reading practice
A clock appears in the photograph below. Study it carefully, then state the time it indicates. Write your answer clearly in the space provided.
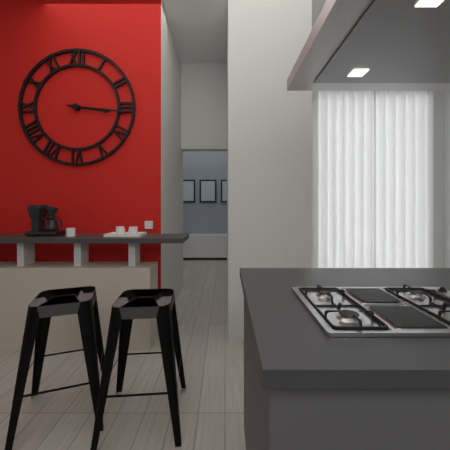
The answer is 3:16
